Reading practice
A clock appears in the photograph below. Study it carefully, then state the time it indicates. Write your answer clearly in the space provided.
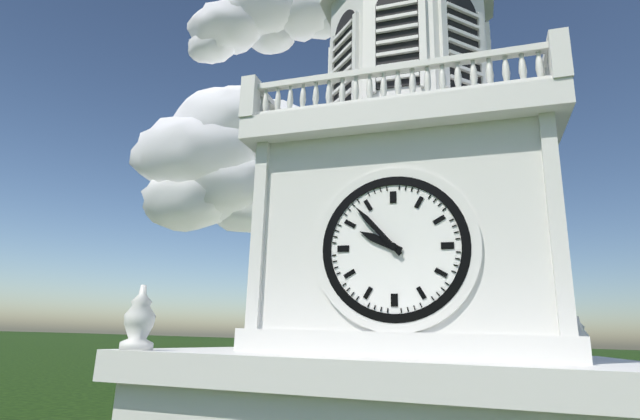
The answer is 9:53
